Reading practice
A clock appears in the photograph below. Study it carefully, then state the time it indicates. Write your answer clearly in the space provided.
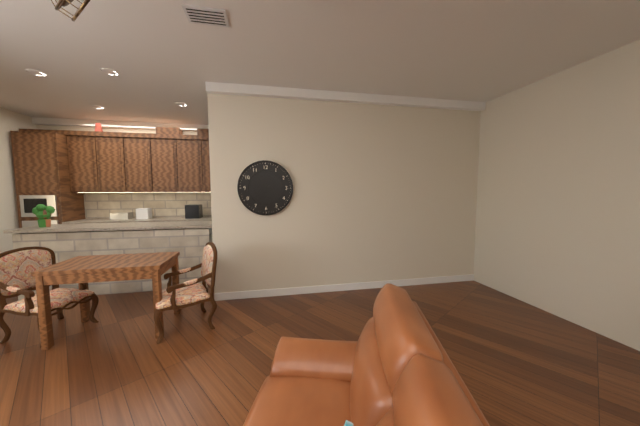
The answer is 1:37
